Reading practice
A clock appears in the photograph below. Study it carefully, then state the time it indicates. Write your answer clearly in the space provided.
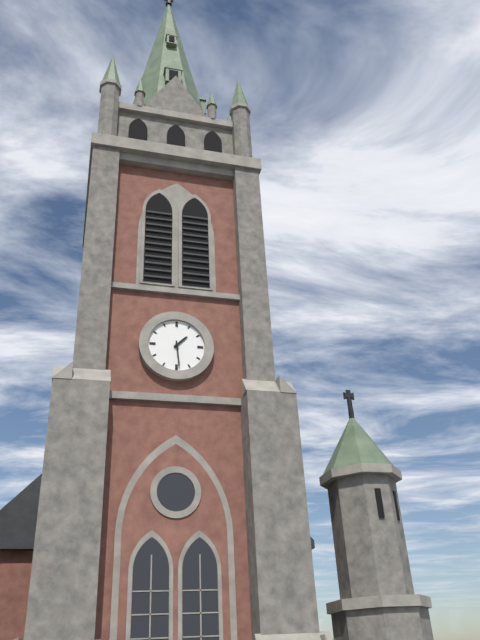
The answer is 1:29
